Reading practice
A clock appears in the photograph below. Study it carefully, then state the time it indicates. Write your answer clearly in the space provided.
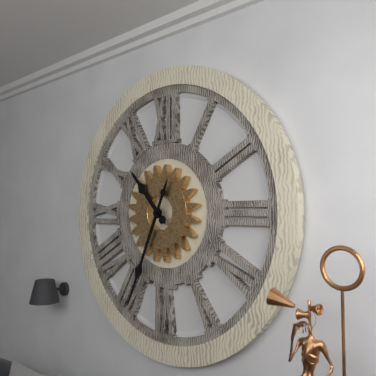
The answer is 10:34
